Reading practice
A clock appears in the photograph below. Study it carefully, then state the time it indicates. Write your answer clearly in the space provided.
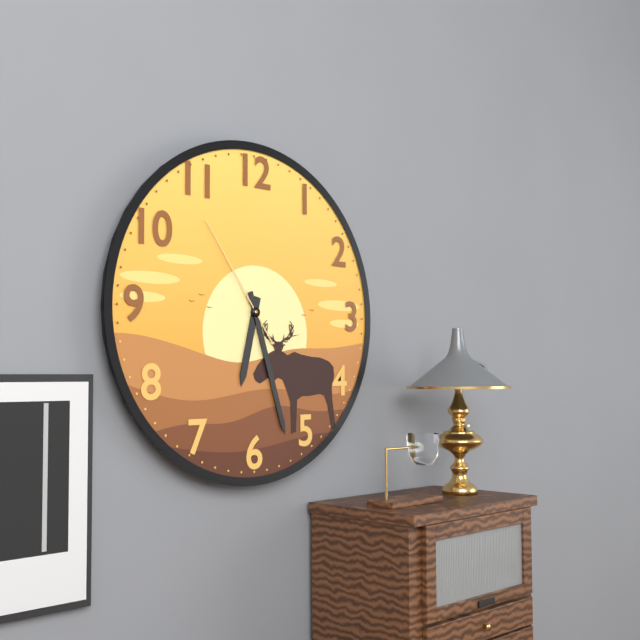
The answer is 6:27:54
